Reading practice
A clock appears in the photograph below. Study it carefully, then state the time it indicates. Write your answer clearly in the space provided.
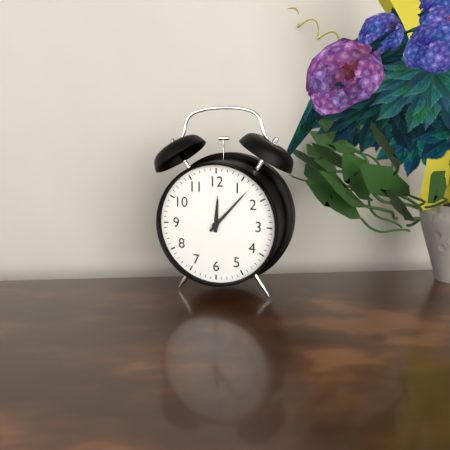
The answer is 12:07
